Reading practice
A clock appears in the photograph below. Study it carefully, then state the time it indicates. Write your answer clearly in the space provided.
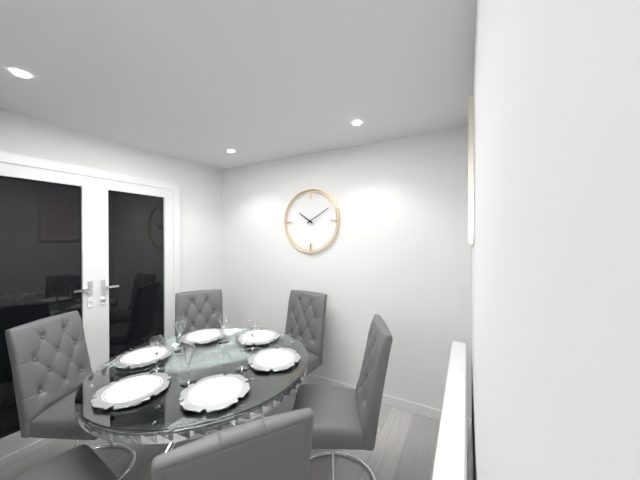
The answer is 10:10
